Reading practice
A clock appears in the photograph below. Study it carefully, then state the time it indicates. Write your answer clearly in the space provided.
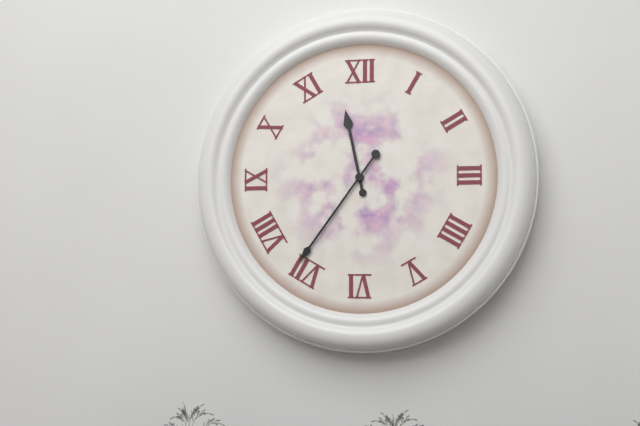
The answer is 11:36
